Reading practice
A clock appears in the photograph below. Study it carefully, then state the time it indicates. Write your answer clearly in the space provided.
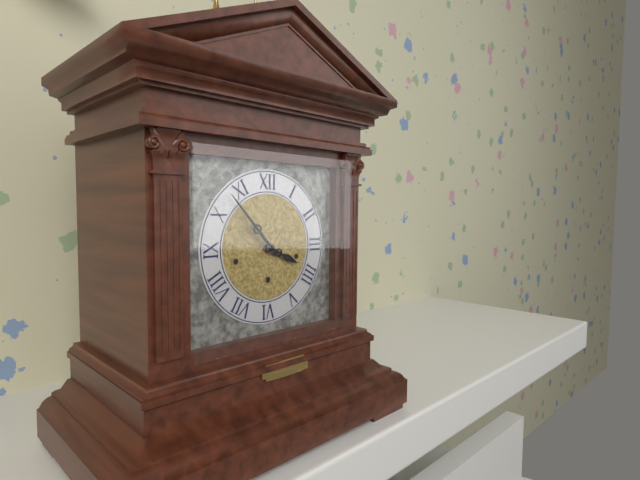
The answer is 3:53
